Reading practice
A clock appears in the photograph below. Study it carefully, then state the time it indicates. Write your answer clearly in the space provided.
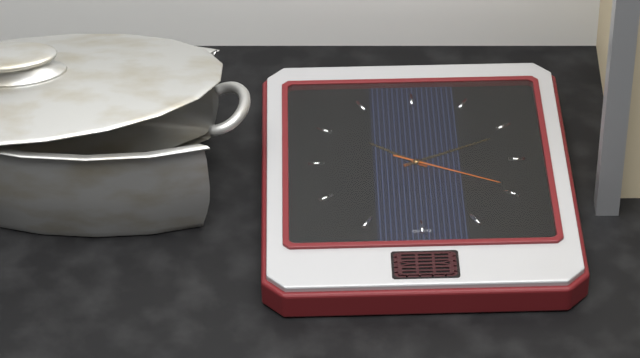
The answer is 10:11:19
